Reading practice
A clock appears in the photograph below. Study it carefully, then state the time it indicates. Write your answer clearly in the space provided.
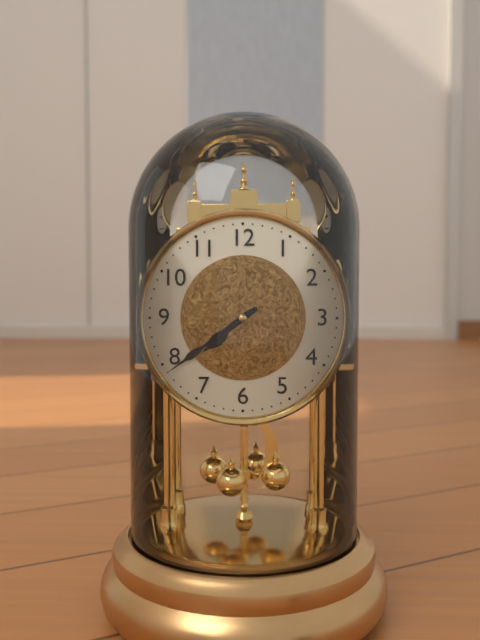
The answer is 7:39
